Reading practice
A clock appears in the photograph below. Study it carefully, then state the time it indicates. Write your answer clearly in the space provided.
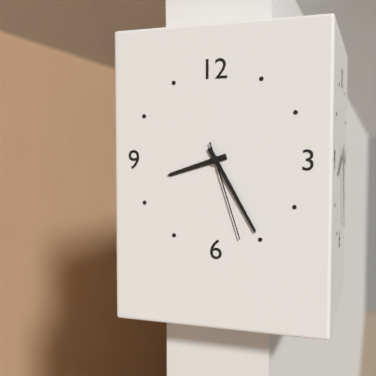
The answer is 8:25:27
